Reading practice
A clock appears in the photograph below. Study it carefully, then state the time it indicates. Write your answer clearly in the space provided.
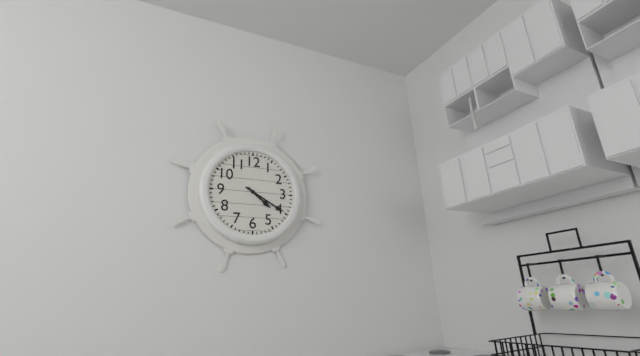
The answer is 4:20
